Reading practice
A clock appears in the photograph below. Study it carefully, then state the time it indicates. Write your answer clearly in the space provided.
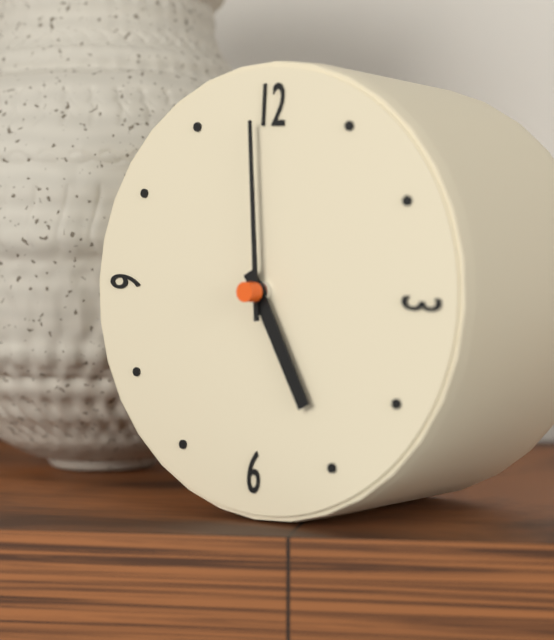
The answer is 4:59
